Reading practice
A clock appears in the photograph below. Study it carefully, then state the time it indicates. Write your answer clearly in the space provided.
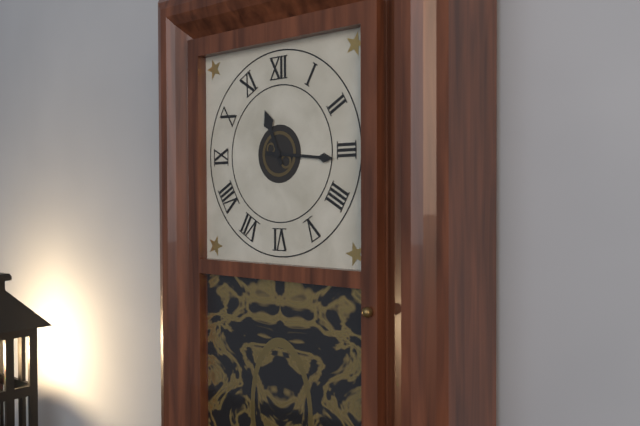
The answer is 11:16
